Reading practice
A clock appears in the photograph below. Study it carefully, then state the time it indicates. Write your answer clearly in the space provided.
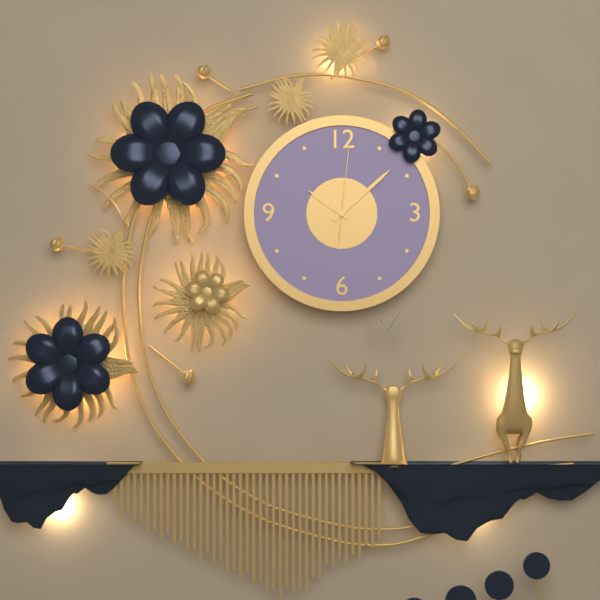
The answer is 10:08:01
